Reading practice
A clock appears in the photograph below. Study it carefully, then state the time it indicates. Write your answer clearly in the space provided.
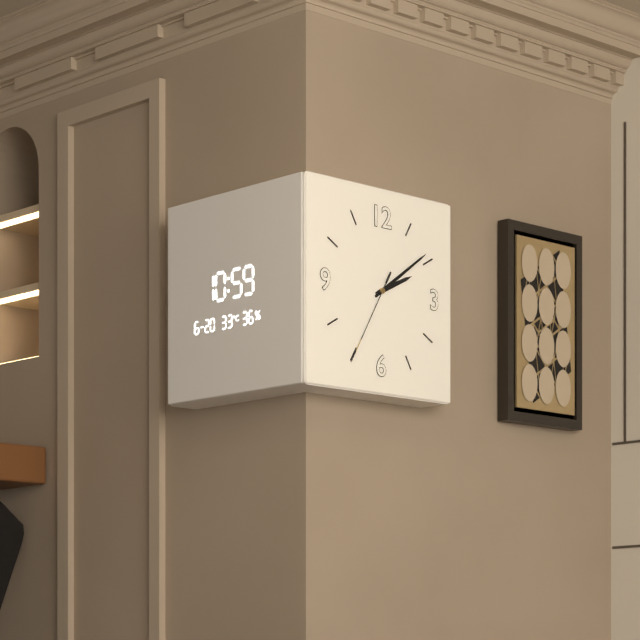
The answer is 2:09:35
